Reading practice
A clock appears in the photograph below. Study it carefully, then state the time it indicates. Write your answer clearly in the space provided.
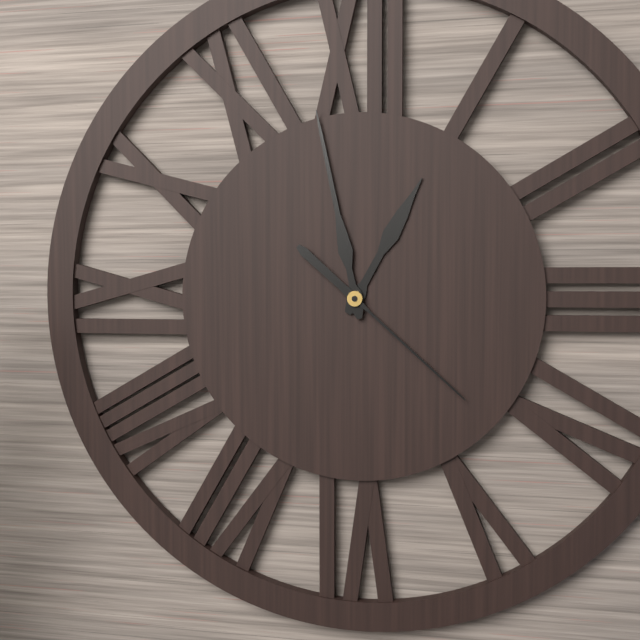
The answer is 12:58:22
